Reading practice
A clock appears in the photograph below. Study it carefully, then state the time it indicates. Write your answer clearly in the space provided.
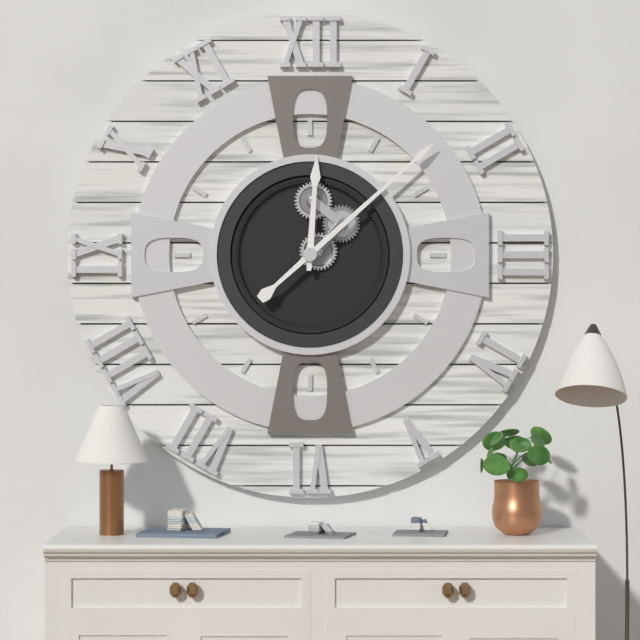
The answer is 12:08
